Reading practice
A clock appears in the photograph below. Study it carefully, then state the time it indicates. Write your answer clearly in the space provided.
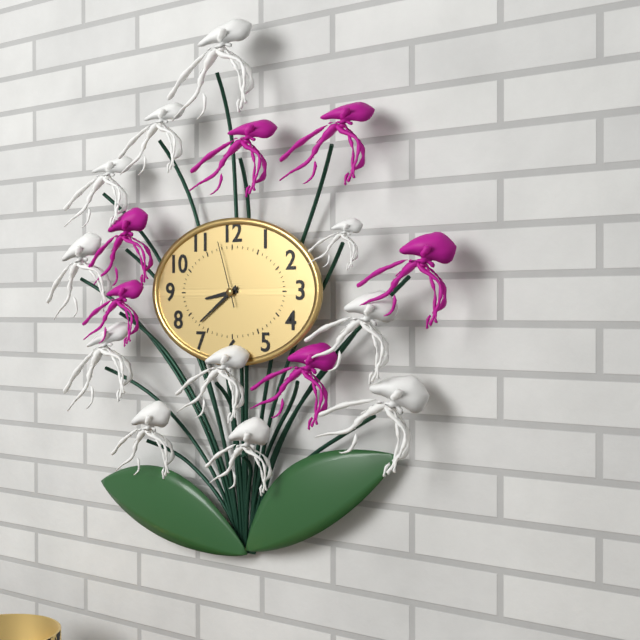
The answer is 8:39:57
